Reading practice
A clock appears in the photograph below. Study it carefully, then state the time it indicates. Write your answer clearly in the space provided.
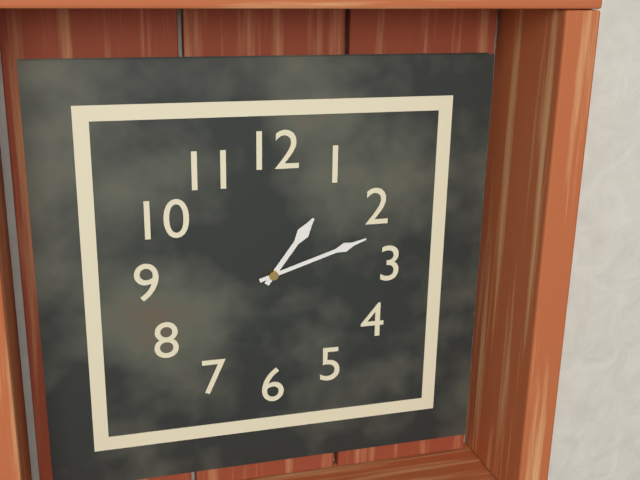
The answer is 1:12
